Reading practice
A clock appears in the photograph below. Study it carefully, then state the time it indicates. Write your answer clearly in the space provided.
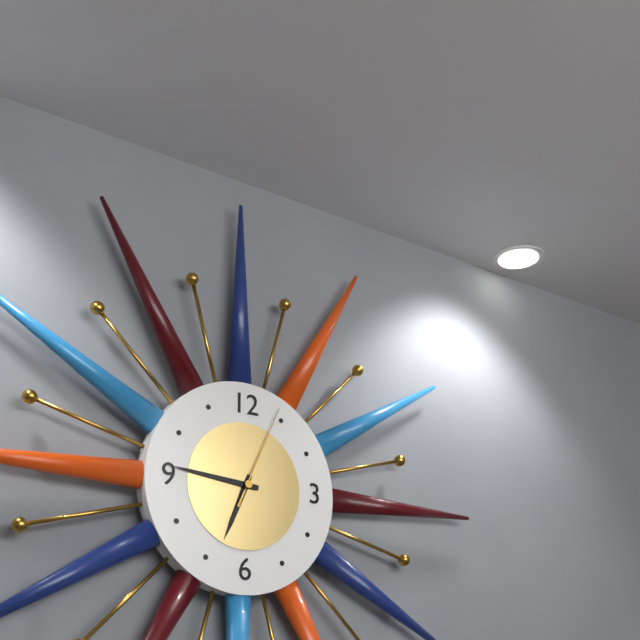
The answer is 6:46:04
